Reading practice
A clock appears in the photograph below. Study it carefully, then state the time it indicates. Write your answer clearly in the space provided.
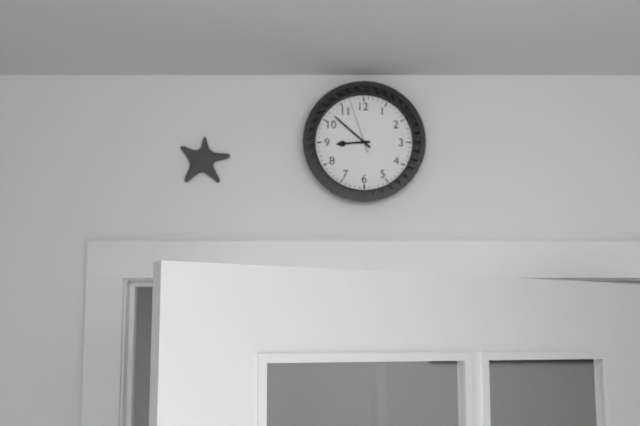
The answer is 8:52:57
